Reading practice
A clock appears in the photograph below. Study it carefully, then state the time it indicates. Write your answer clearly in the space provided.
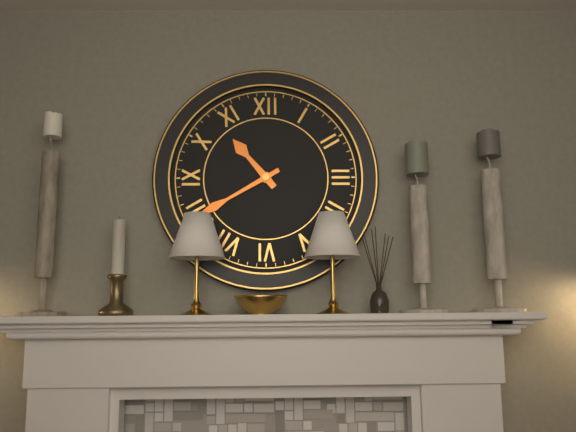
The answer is 10:40
